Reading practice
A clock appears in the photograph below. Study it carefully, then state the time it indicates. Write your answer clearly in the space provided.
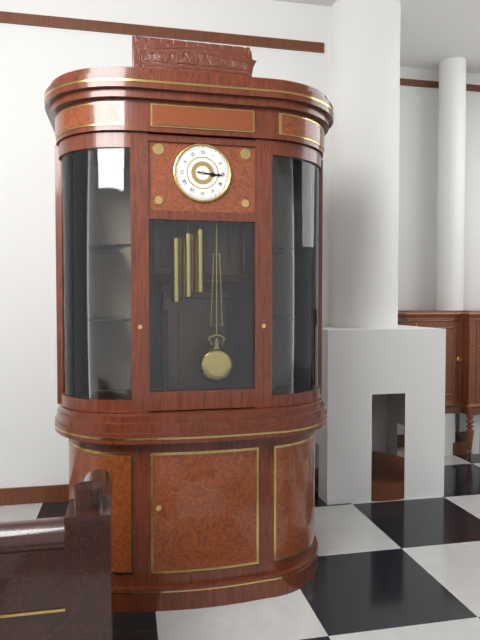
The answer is 3:16
